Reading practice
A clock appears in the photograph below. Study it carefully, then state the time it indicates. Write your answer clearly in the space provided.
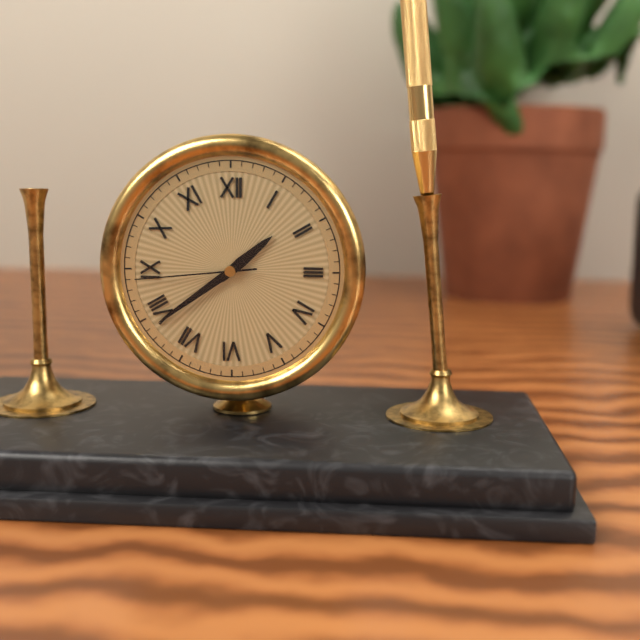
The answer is 1:39:44
